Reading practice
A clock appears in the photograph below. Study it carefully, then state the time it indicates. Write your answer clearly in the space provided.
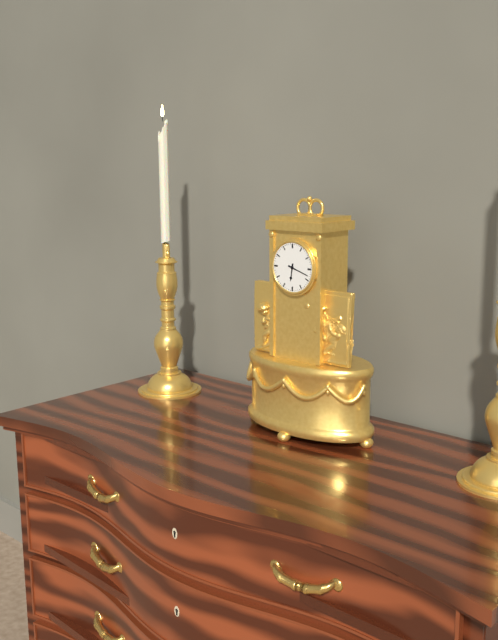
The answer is 6:18
